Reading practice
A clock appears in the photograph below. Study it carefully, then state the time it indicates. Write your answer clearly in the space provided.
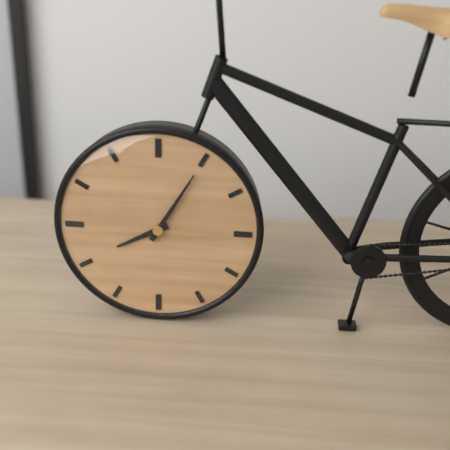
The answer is 8:05
